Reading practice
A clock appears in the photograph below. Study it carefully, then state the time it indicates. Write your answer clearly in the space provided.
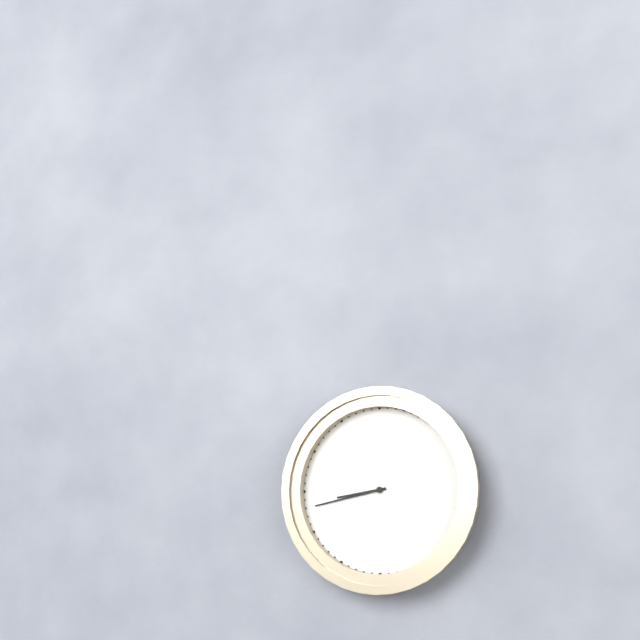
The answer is 8:43
